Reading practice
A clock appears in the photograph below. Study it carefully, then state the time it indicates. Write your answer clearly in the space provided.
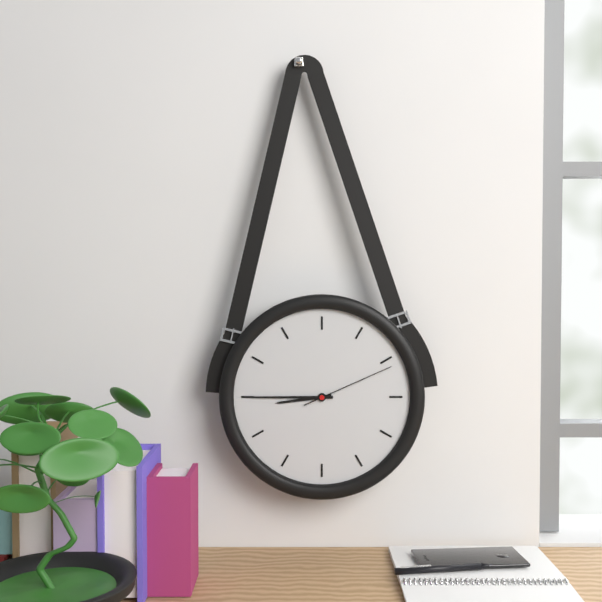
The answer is 8:45:11
